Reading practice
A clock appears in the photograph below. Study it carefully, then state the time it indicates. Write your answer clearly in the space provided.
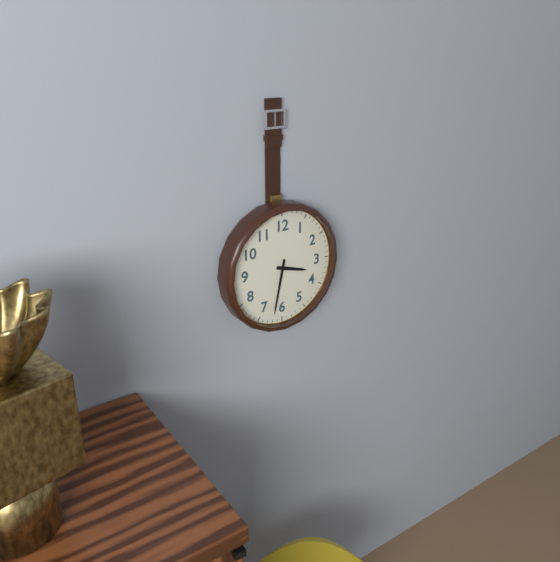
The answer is 3:32
